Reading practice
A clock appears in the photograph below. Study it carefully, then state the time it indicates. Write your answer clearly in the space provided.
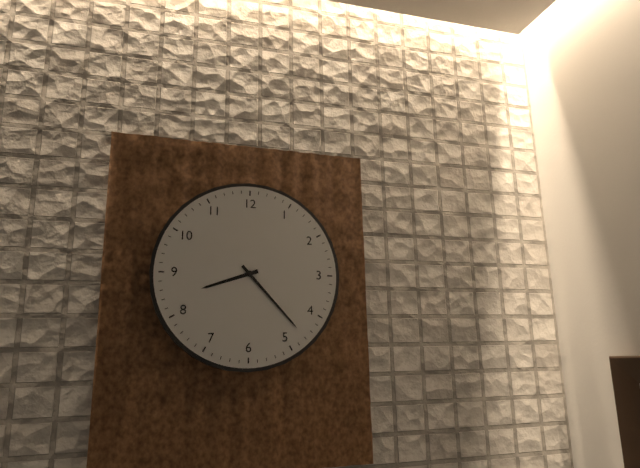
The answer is 8:23
